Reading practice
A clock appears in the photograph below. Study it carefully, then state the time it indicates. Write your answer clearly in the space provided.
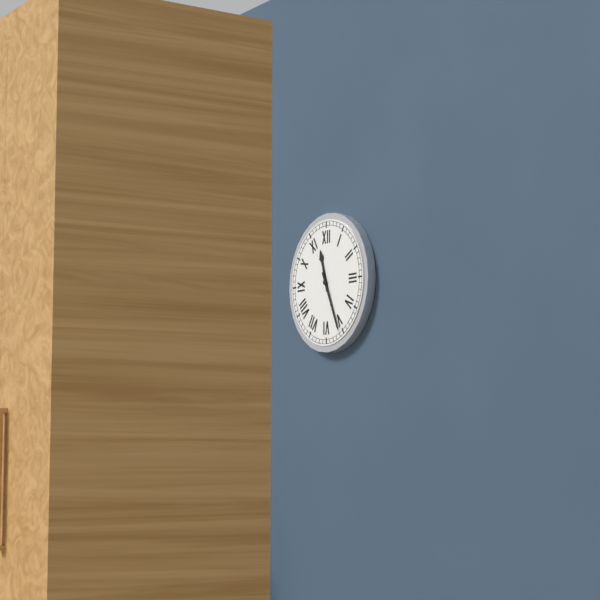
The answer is 11:26
